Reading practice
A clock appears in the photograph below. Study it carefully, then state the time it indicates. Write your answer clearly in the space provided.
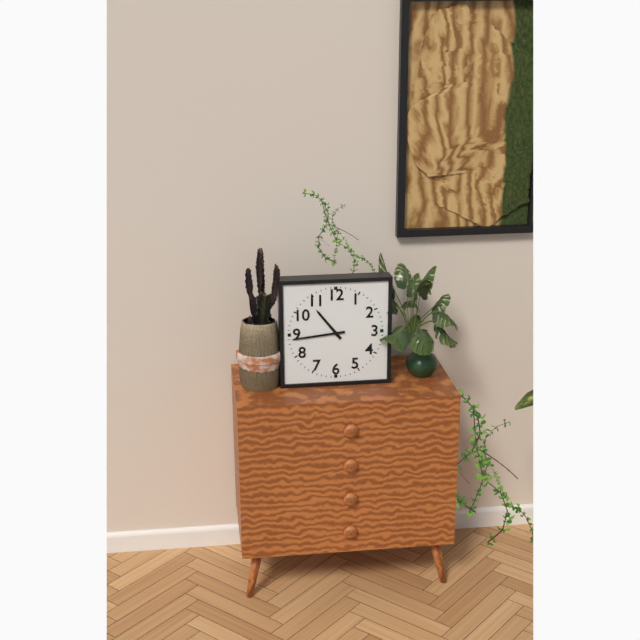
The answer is 10:44
